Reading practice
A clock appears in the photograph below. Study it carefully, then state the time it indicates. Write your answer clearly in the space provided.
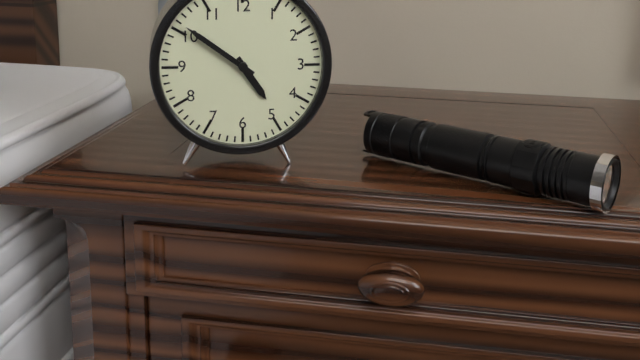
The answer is 4:51
